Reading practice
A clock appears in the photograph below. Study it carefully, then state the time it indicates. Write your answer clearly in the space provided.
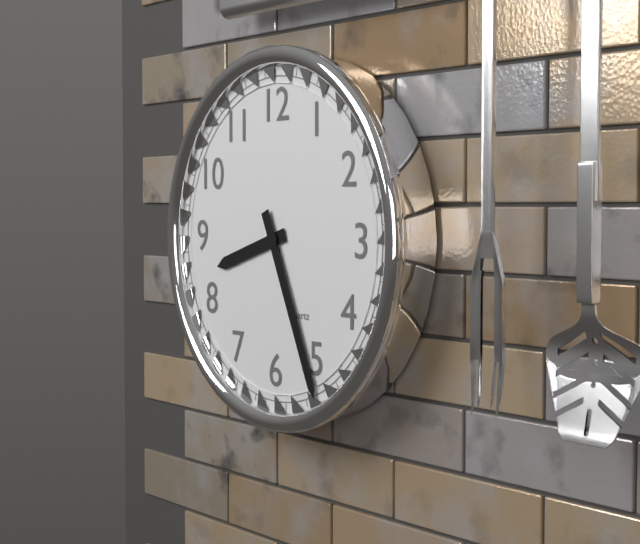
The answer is 8:26
